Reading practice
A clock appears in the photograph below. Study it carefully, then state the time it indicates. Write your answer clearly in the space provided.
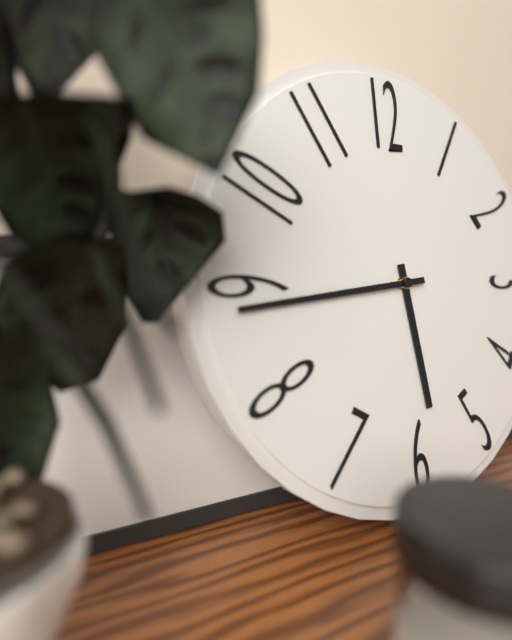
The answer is 5:44
